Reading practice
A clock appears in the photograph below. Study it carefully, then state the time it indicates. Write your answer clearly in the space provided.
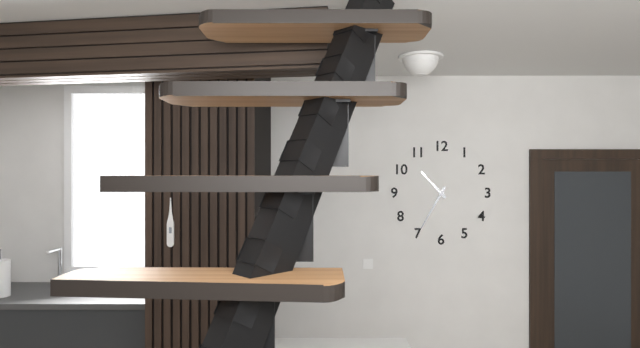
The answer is 10:35
